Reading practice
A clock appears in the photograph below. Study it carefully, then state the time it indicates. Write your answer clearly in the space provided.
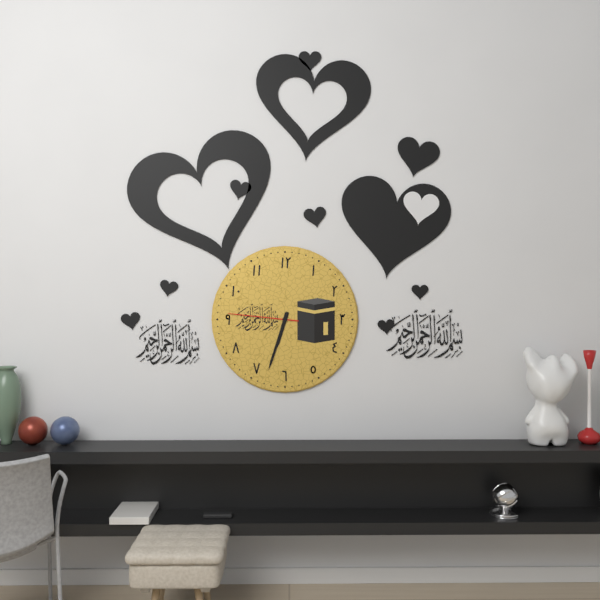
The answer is 6:33:46
